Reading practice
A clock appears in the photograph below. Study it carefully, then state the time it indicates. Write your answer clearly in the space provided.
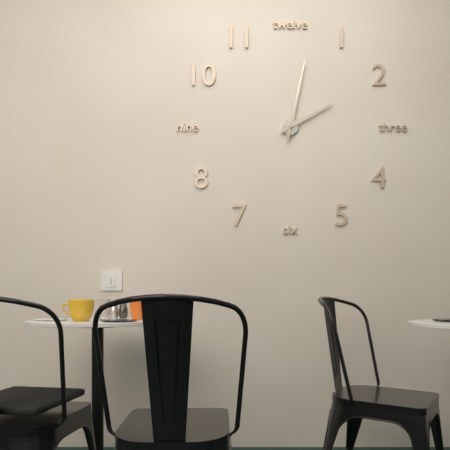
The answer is 2:02
